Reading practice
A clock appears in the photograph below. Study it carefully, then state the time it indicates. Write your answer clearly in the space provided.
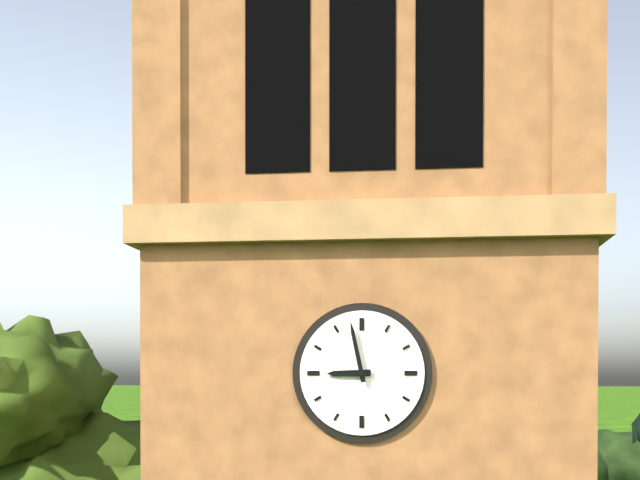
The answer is 8:58
